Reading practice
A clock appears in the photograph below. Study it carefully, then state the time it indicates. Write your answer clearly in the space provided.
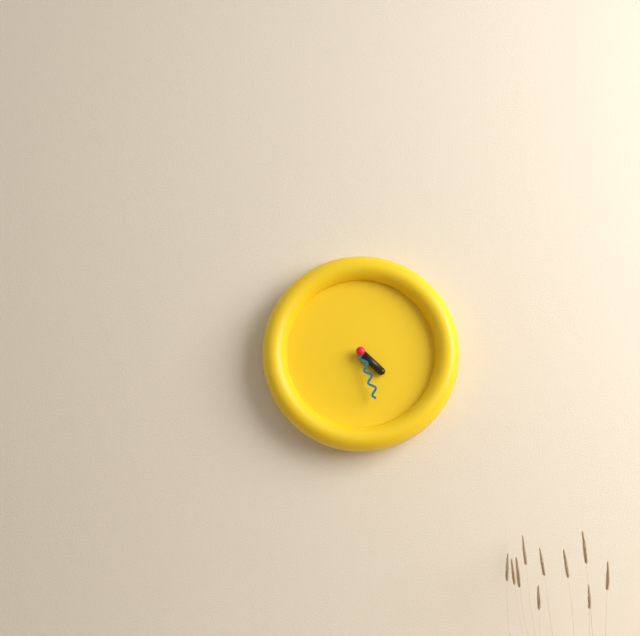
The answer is 4:27
